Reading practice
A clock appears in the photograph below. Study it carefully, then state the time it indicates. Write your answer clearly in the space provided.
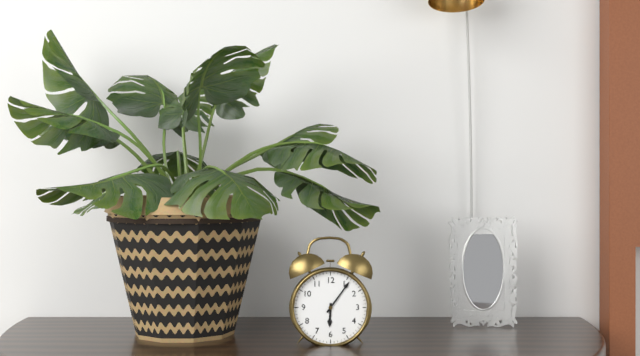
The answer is 6:06
